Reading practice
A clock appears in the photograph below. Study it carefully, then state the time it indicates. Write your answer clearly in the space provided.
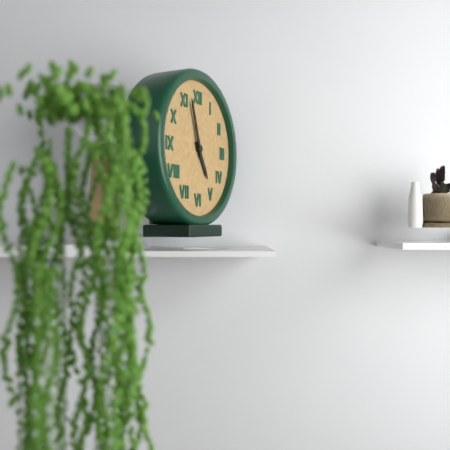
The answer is 4:57
